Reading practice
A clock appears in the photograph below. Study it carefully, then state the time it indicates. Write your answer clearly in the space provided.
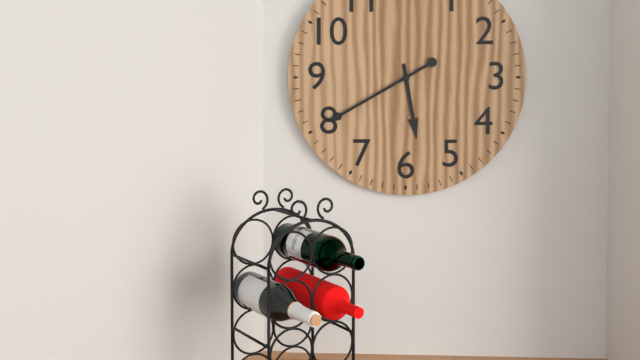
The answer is 5:40
